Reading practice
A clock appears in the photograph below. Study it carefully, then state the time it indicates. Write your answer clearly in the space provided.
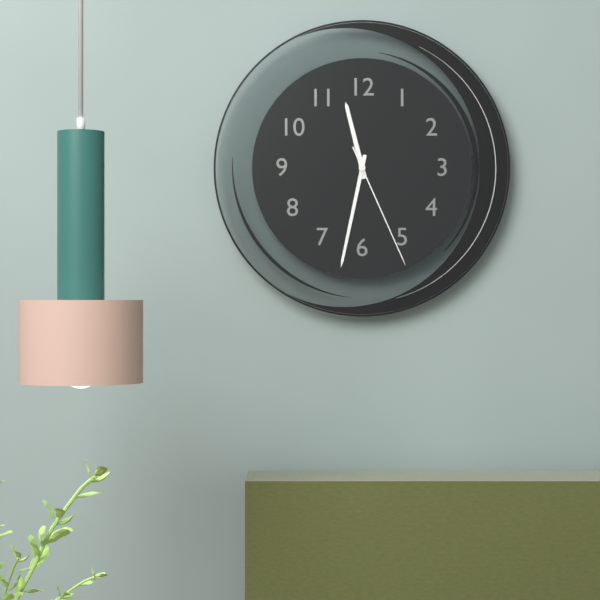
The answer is 11:32:26
